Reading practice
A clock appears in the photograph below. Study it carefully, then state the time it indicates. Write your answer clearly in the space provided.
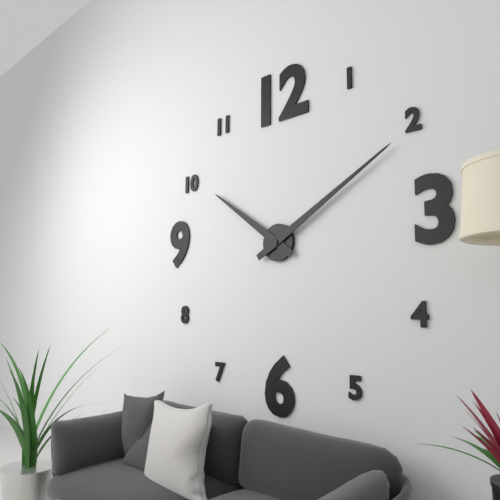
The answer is 10:10
